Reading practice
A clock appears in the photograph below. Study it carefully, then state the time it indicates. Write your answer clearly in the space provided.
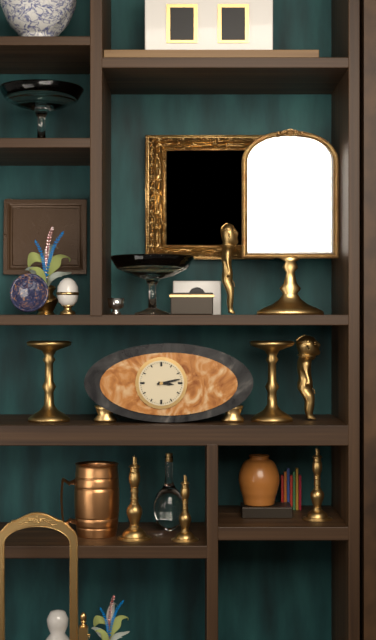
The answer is 3:13
